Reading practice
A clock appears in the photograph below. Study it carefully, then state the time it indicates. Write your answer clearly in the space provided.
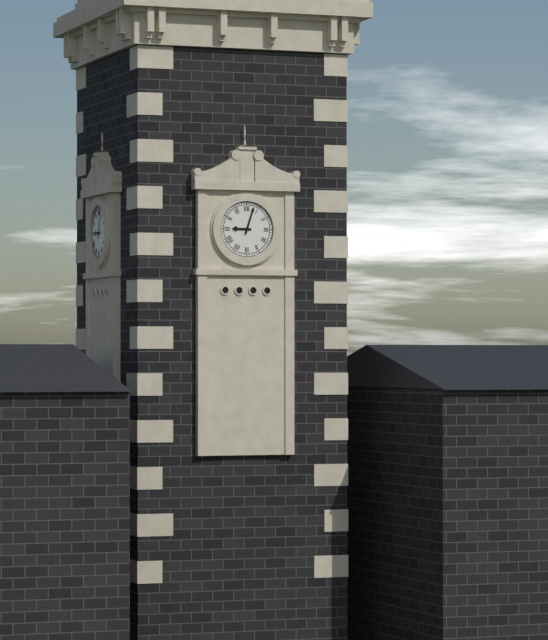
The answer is 9:03
